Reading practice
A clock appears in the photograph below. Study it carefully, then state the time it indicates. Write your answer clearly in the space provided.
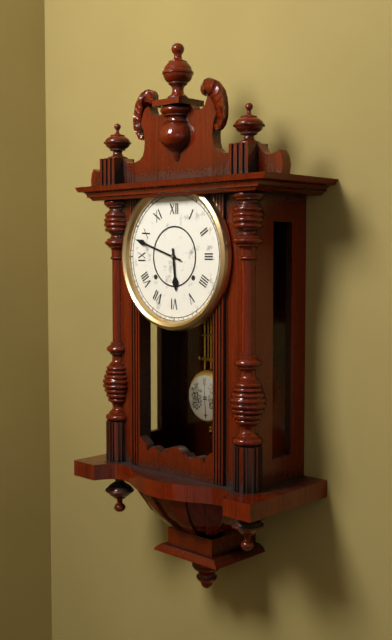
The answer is 5:48
